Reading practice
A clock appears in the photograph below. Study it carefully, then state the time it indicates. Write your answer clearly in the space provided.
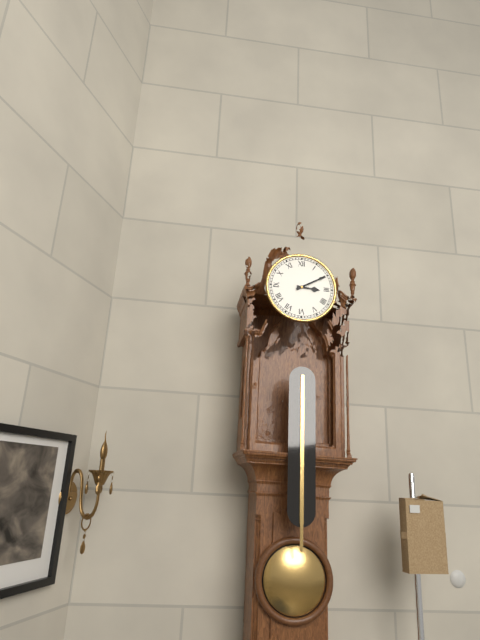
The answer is 3:10
